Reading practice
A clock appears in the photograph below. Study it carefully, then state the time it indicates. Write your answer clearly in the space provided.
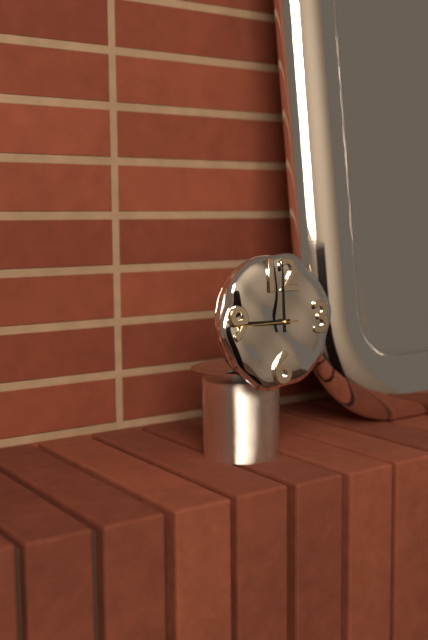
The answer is 9:00:45
